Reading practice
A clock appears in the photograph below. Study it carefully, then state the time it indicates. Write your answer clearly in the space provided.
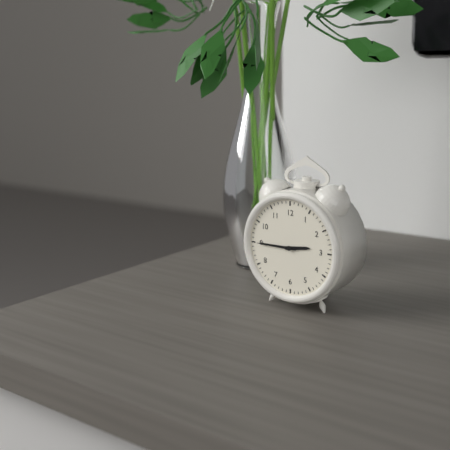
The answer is 2:45
